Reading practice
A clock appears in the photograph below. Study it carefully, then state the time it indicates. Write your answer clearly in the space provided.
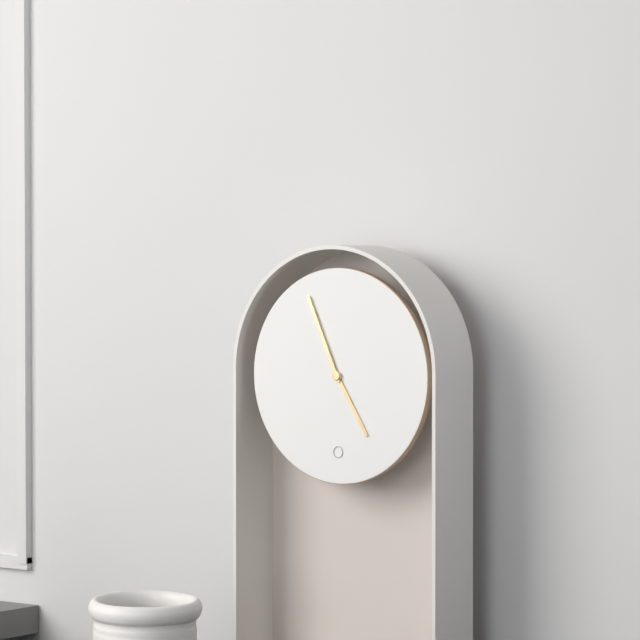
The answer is 4:56
